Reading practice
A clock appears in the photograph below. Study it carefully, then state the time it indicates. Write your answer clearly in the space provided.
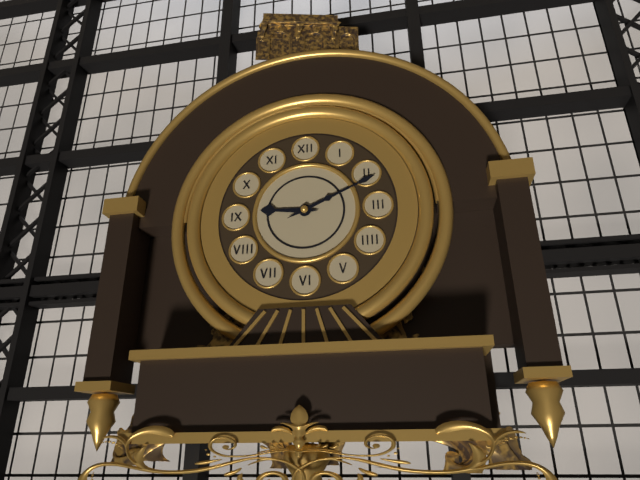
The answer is 9:11
